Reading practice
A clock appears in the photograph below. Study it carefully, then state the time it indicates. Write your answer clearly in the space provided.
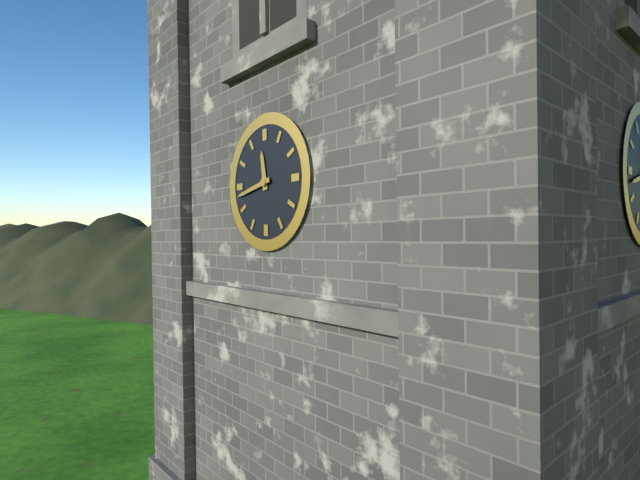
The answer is 11:43
